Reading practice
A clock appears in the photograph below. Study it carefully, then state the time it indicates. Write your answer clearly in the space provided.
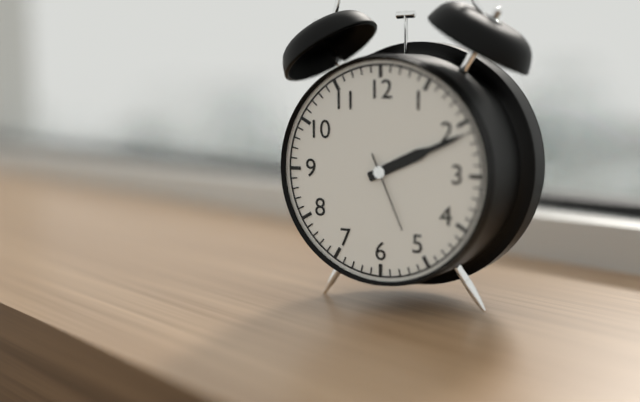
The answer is 2:11:26
